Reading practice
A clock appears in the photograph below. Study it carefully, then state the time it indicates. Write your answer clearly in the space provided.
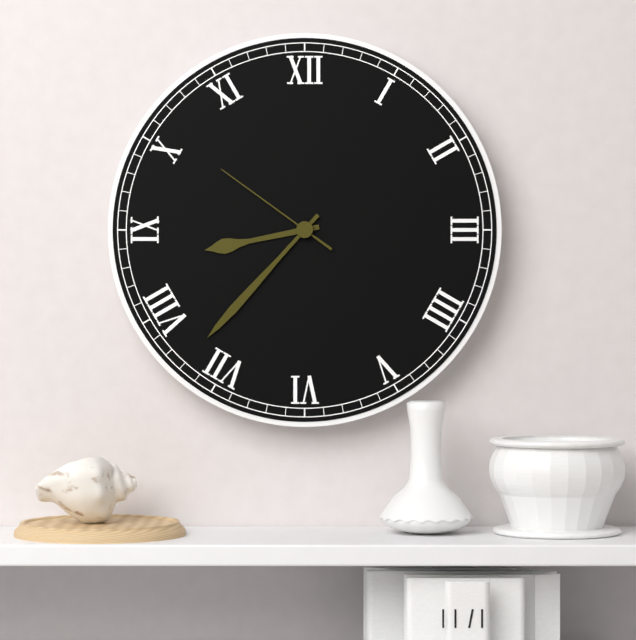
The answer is 8:37:51
